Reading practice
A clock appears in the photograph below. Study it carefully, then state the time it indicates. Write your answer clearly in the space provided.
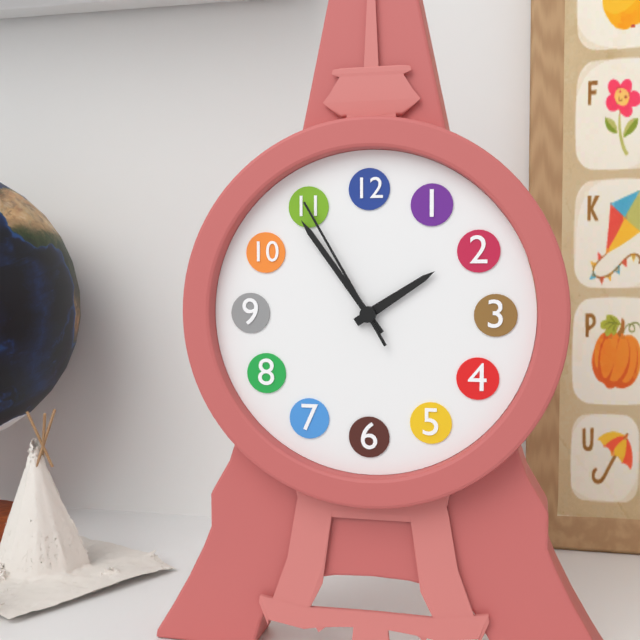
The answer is 1:54:55
